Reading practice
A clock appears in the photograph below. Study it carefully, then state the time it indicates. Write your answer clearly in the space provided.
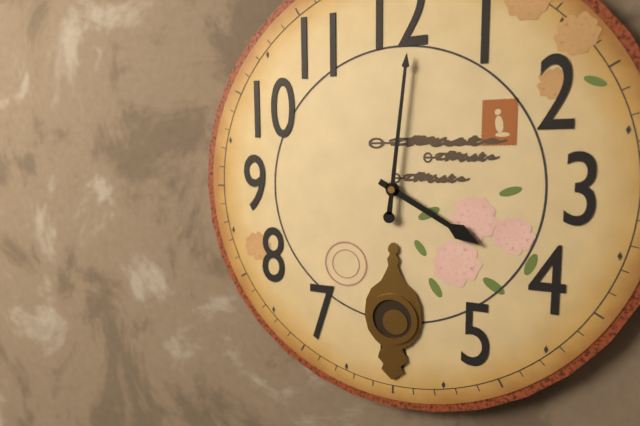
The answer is 4:01
